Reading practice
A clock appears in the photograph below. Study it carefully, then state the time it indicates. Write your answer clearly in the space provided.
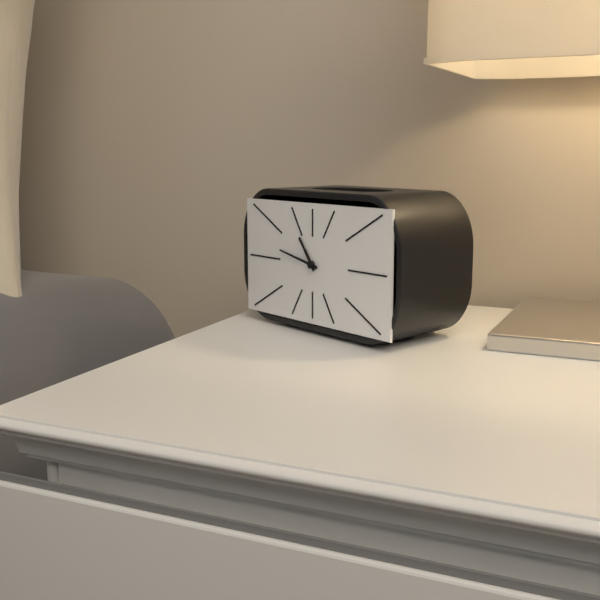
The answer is 10:47
